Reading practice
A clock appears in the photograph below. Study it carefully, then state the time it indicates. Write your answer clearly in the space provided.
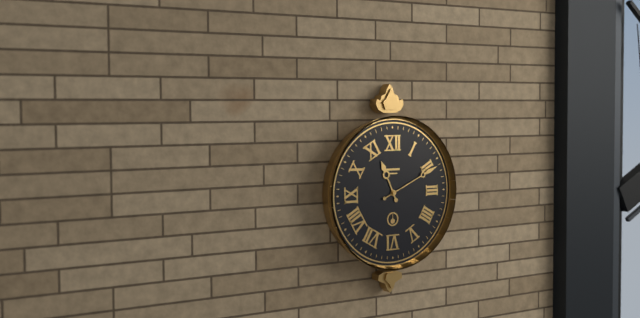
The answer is 11:11
